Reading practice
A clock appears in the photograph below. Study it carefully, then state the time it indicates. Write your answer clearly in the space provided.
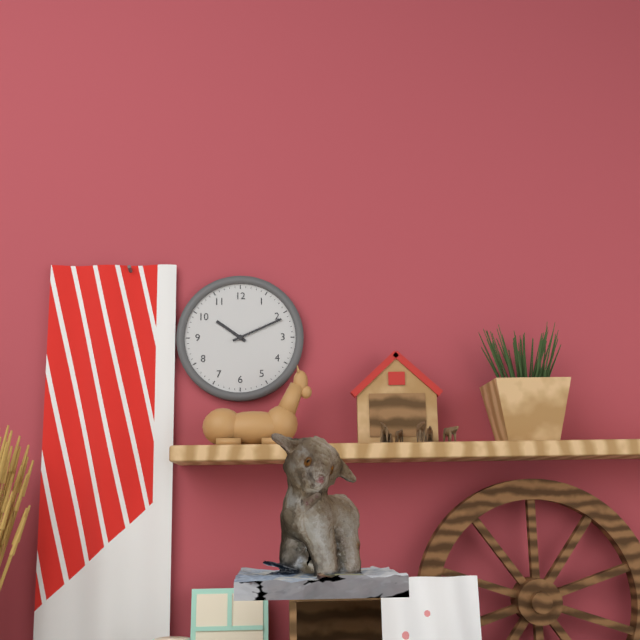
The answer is 10:11
